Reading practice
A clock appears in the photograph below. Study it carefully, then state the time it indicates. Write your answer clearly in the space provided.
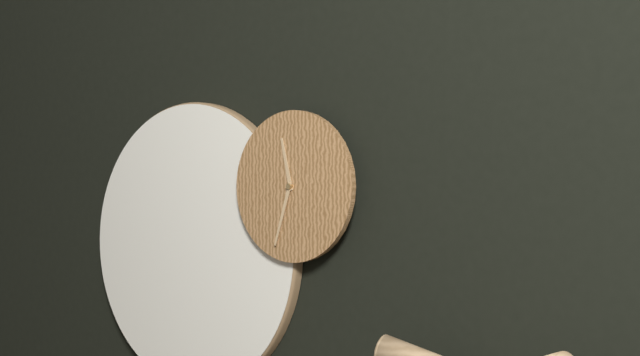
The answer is 11:33
